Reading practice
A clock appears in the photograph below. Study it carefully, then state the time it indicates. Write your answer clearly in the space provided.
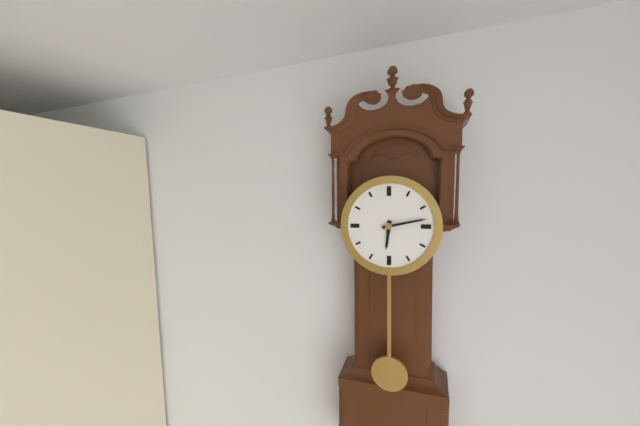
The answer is 6:13
